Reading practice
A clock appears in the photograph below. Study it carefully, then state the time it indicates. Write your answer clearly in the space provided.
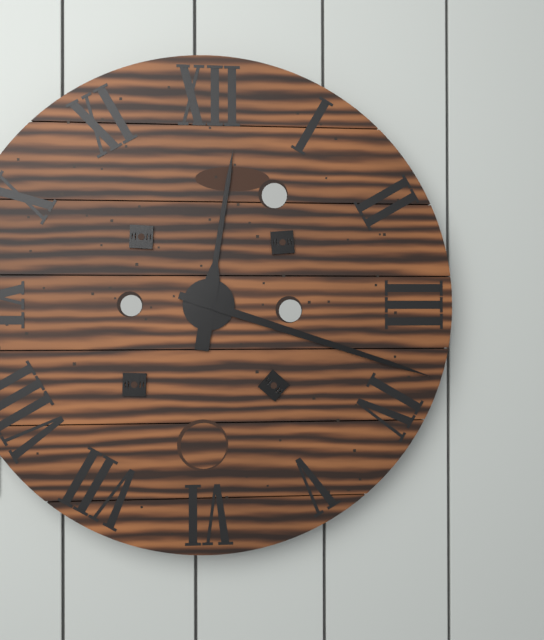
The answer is 12:18
